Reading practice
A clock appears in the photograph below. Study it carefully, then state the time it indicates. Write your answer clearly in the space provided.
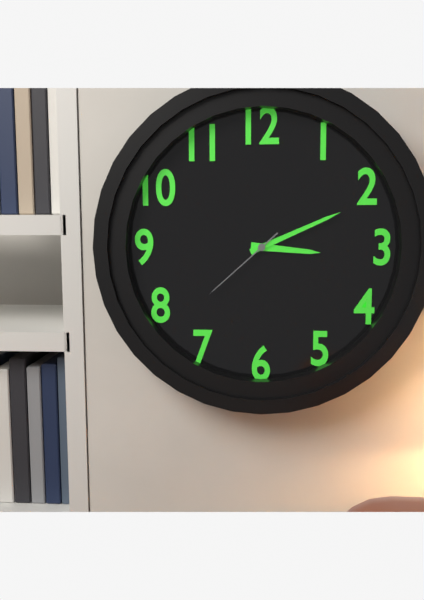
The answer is 3:11:38
